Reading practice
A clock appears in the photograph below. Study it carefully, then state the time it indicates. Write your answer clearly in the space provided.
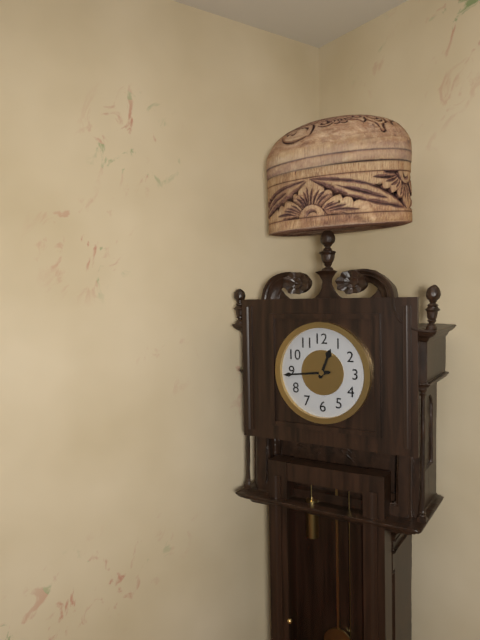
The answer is 12:44
